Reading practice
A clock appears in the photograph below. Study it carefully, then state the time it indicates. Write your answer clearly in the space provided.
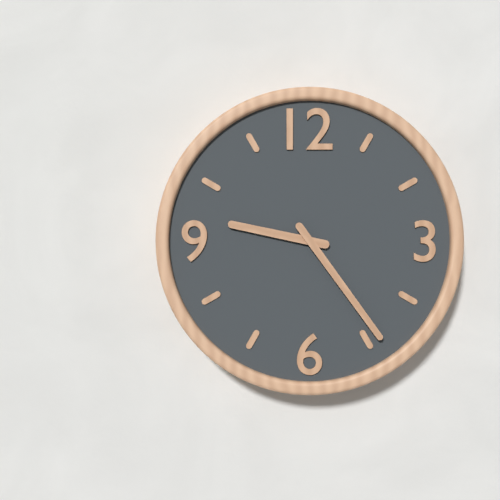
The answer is 9:24
